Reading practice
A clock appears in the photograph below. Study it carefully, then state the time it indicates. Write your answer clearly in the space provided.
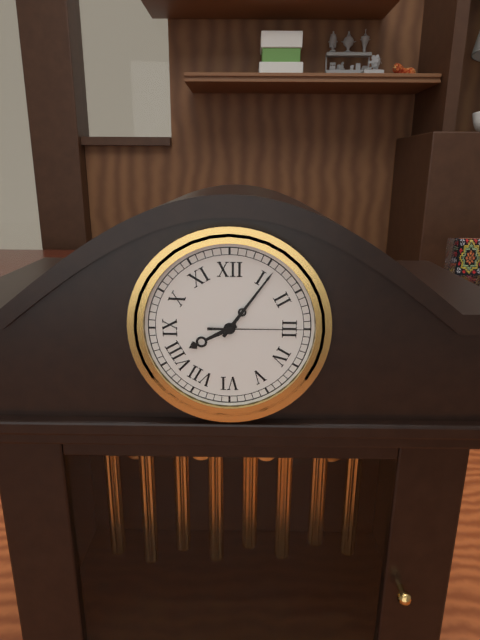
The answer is 8:06:15
